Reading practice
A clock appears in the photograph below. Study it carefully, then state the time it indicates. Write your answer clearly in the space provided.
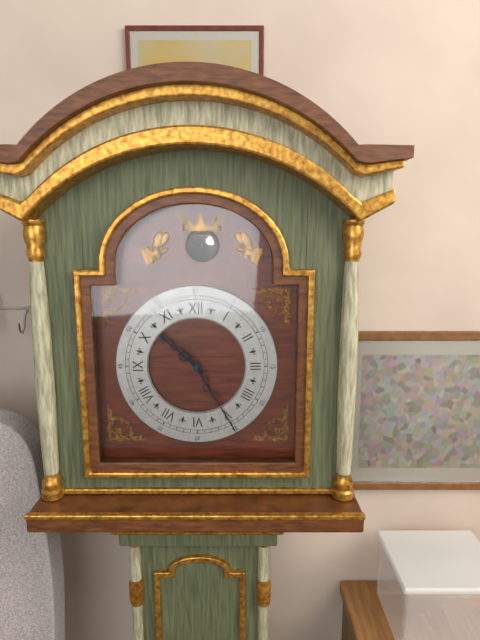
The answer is 10:25
